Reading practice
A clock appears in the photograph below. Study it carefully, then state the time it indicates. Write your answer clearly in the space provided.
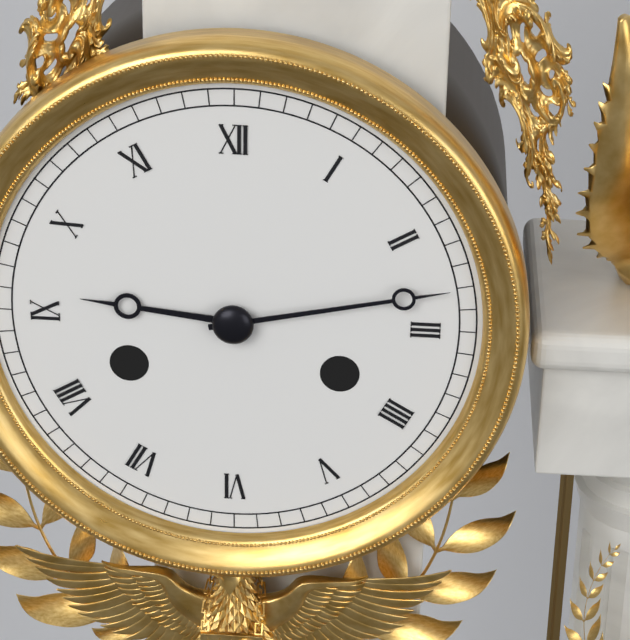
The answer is 9:13
